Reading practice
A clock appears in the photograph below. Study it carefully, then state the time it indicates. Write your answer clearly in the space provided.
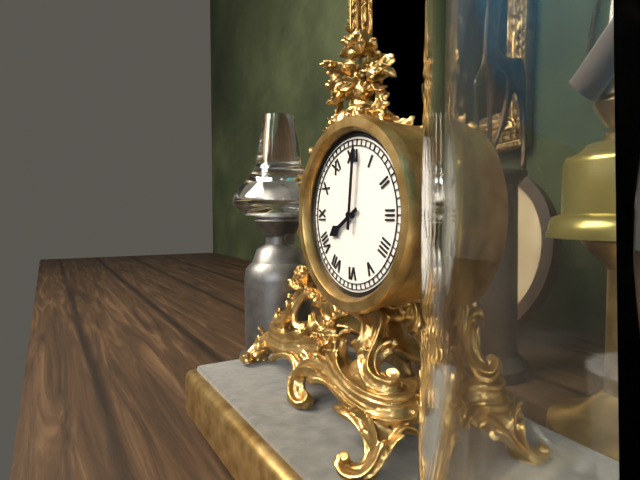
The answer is 8:01
